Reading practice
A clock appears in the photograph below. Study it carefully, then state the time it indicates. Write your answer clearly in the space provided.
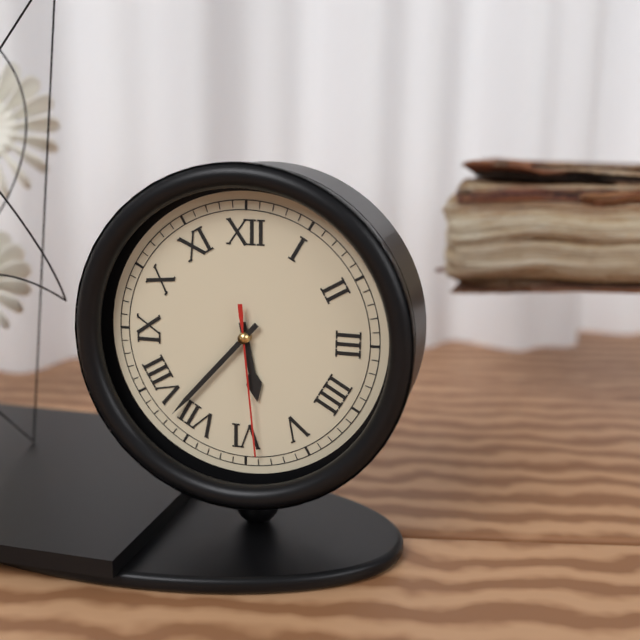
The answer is 5:37:29
